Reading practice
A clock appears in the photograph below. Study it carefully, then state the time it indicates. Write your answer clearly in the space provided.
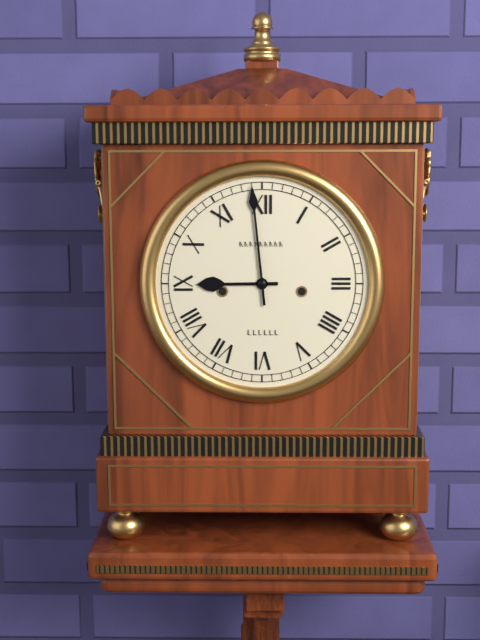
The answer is 8:59
